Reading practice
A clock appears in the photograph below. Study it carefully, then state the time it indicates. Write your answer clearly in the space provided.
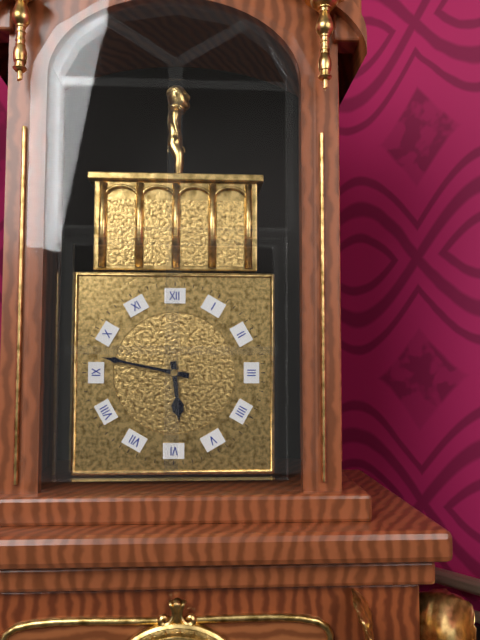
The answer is 5:47
